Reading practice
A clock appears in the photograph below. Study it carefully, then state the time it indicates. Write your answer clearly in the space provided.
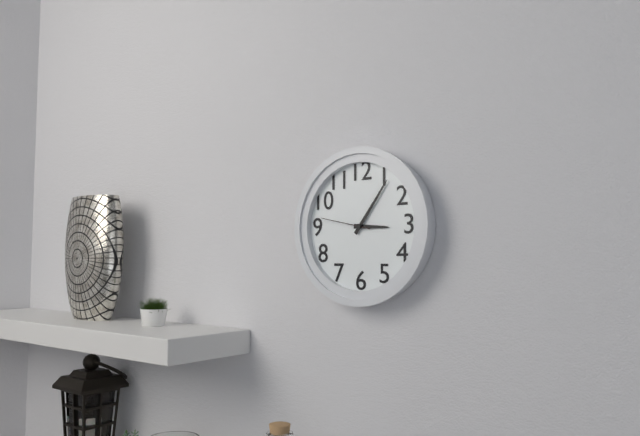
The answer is 3:06:47
